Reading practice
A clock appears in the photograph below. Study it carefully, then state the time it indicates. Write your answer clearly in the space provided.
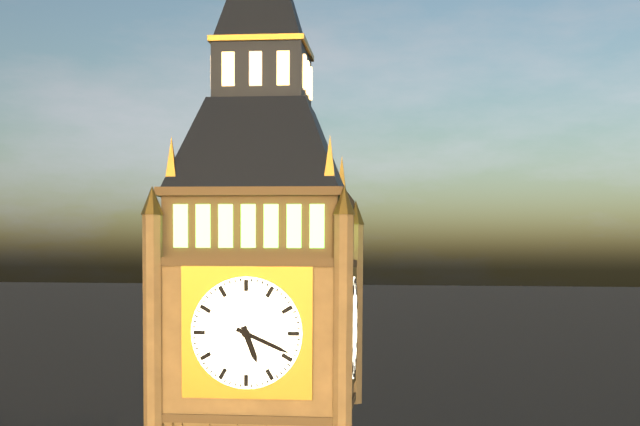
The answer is 5:19
